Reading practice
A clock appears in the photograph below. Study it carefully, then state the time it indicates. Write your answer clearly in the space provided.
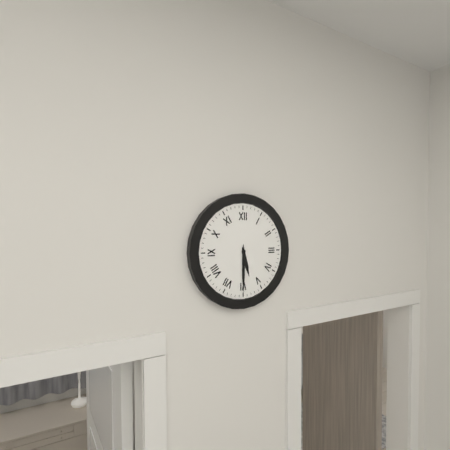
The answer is 5:30
